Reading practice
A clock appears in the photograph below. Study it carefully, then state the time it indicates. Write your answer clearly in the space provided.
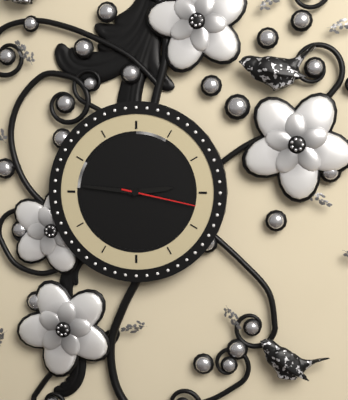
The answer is 2:46:17
